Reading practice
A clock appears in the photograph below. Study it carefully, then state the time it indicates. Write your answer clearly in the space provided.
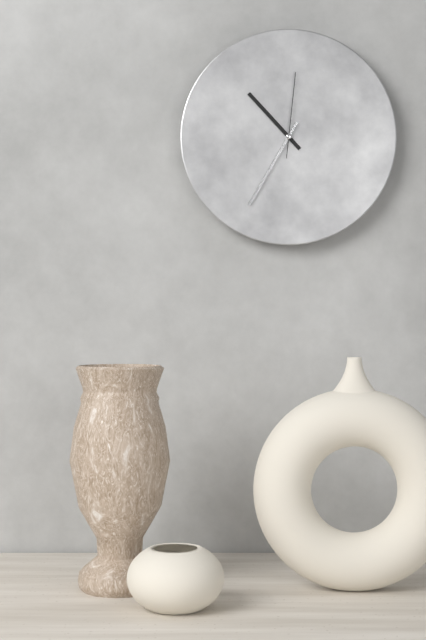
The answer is 10:35:01
